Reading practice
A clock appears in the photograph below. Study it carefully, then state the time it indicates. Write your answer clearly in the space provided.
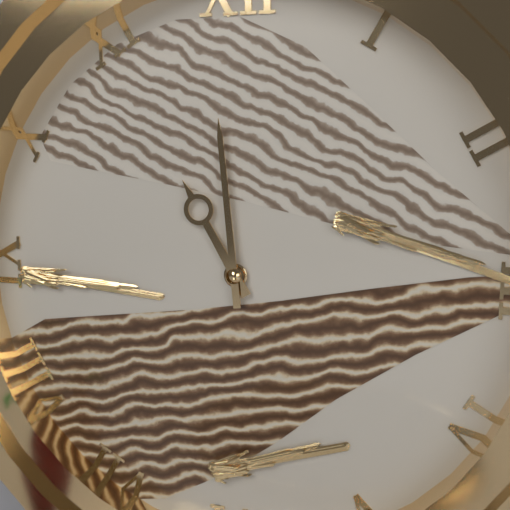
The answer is 10:59
